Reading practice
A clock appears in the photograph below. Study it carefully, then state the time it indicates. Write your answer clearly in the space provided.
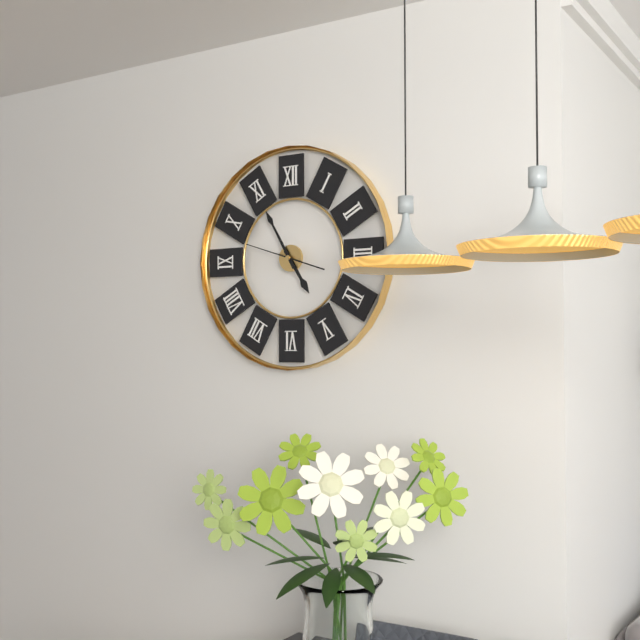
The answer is 4:55:48
